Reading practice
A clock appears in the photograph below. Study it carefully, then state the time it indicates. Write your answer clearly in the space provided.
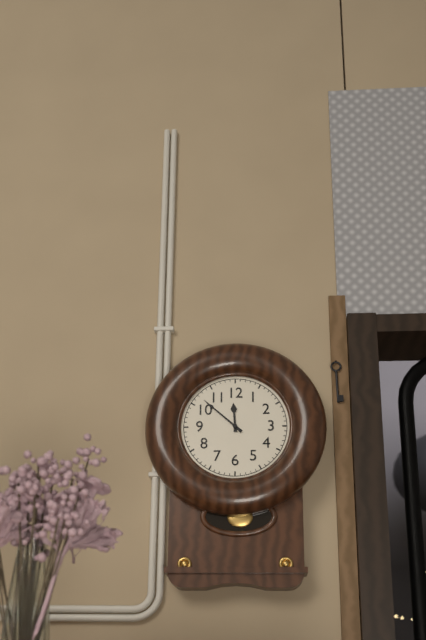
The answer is 11:52
